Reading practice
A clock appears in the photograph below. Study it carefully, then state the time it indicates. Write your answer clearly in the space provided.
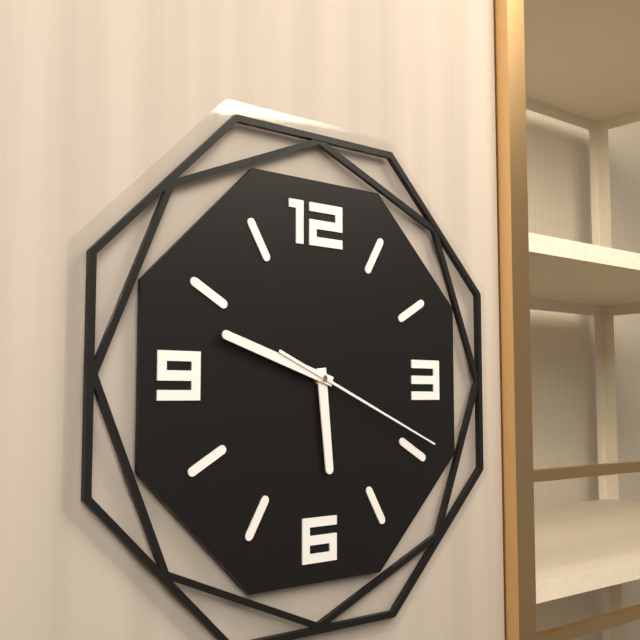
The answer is 5:48:19
